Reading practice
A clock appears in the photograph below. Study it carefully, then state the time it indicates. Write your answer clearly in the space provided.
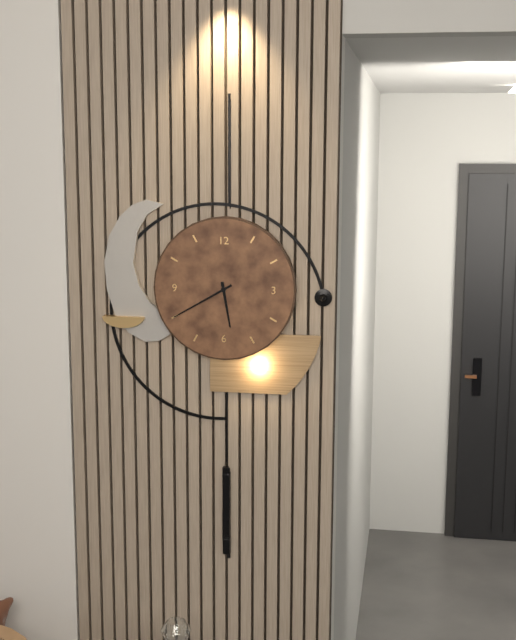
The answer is 5:40
